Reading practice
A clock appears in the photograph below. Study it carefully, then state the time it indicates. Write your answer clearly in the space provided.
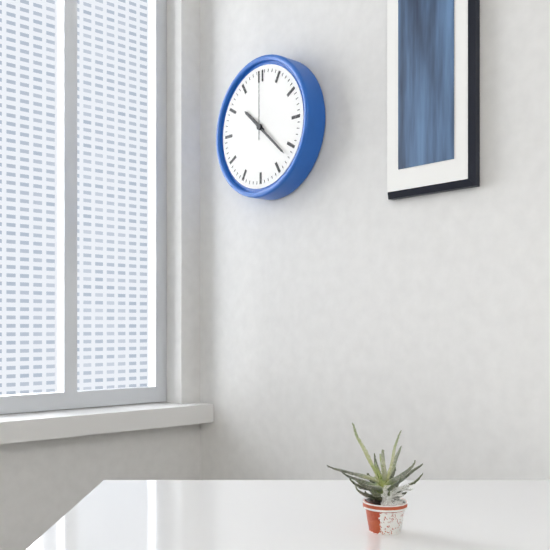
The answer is 10:22:00
